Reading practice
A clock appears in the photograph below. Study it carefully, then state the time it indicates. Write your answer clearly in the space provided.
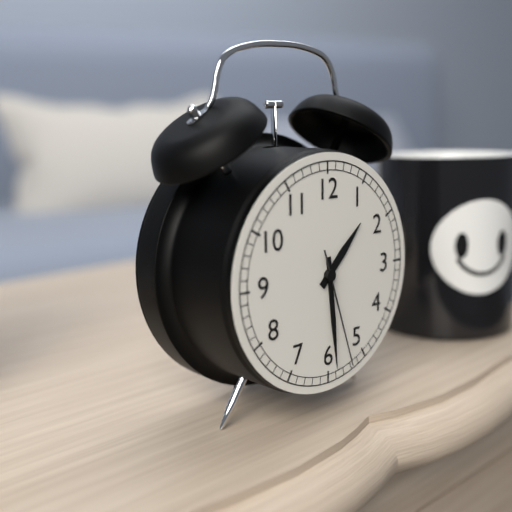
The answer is 1:29:27
